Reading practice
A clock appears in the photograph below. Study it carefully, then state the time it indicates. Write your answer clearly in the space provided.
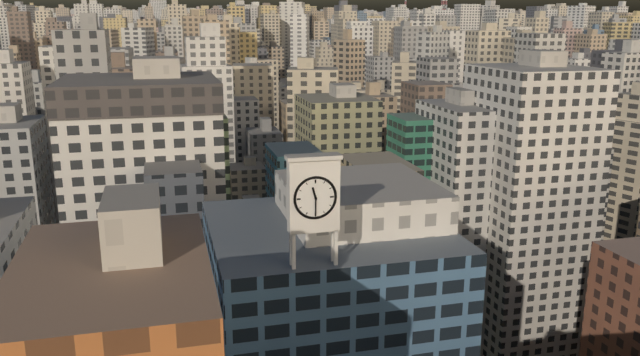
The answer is 11:30
